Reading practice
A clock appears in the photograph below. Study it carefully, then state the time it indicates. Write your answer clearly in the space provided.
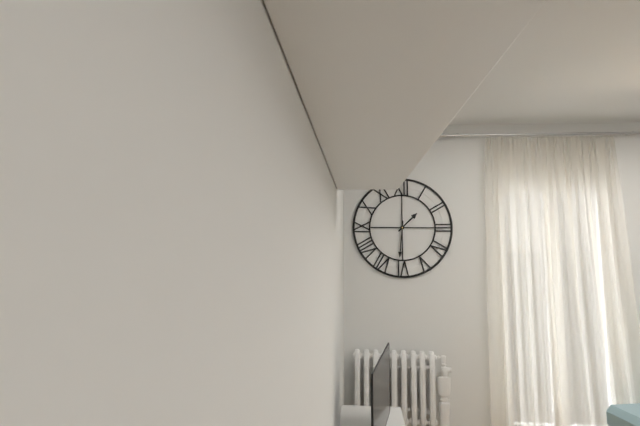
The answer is 1:31
